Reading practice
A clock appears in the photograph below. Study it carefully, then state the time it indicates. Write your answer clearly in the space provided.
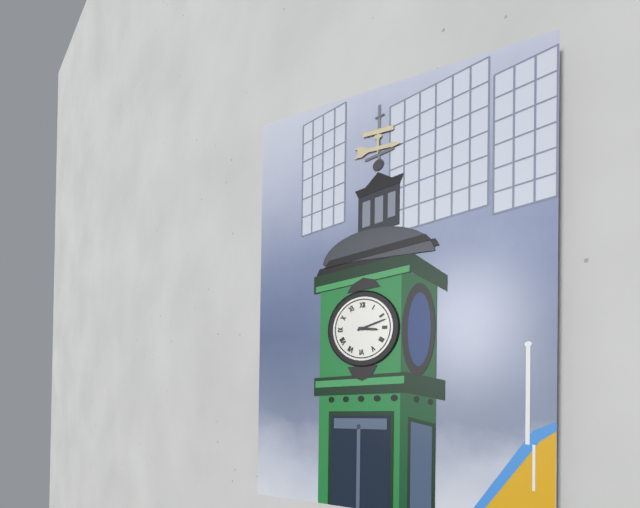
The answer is 3:12
